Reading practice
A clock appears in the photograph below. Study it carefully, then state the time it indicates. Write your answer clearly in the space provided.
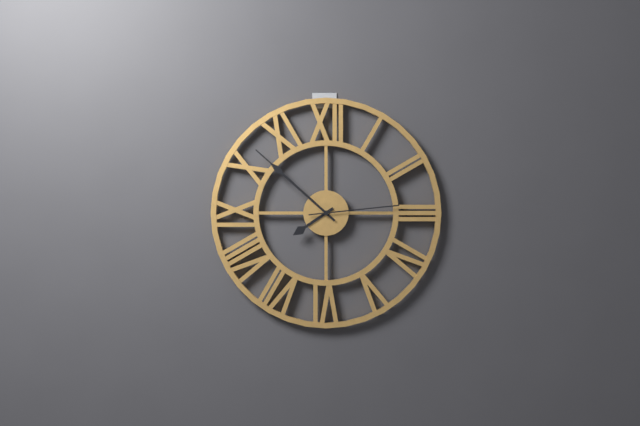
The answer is 7:52:14
